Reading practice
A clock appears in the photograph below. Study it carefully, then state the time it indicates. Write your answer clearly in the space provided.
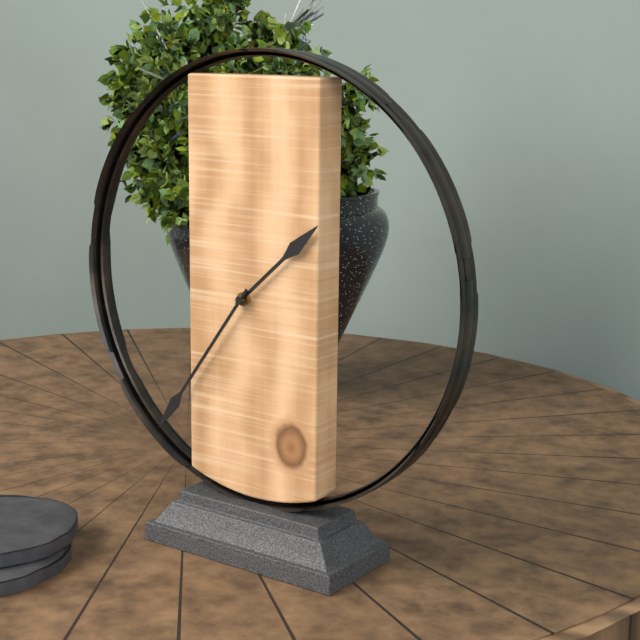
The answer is 1:36
